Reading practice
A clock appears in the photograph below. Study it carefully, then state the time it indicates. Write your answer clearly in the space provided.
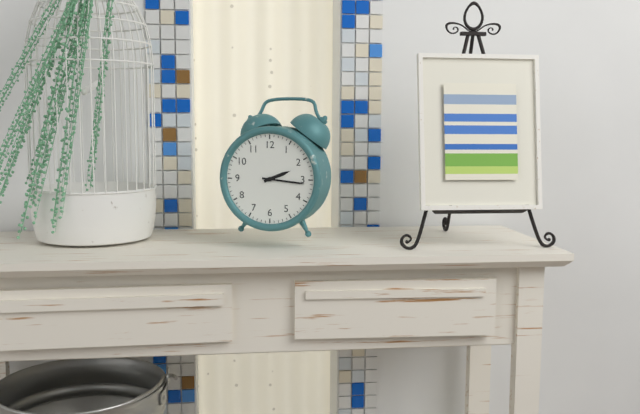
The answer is 2:16
